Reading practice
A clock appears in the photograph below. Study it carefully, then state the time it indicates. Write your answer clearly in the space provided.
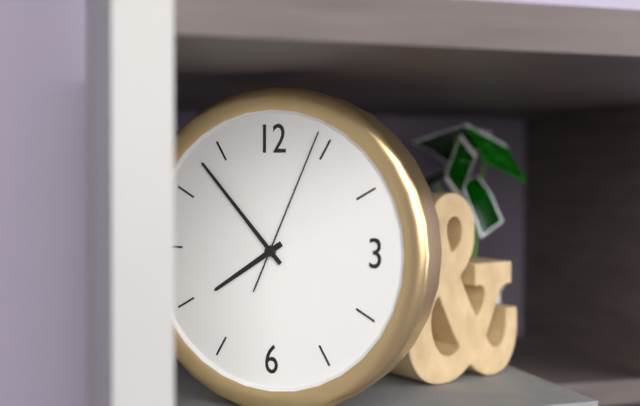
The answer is 7:53:04
